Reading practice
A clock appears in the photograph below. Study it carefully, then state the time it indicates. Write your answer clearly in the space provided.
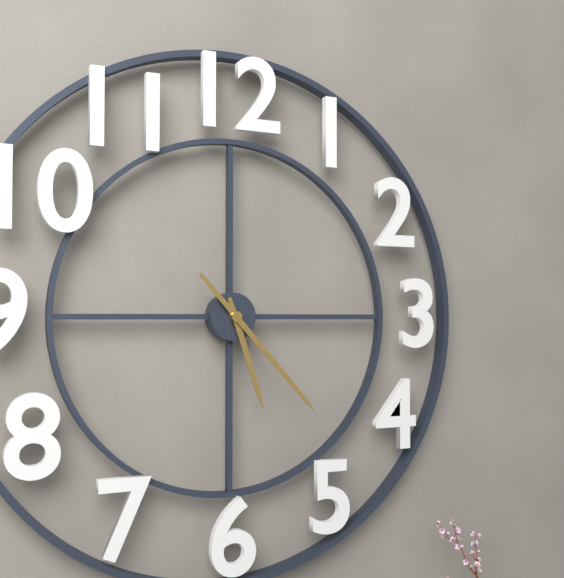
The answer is 5:23
